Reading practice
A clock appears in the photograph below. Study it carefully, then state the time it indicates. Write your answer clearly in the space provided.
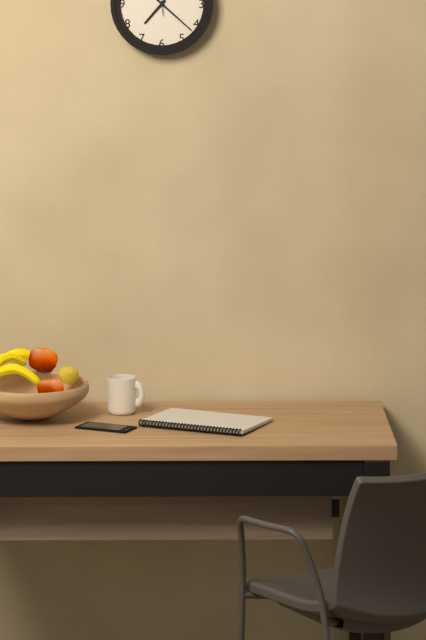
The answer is 7:22
